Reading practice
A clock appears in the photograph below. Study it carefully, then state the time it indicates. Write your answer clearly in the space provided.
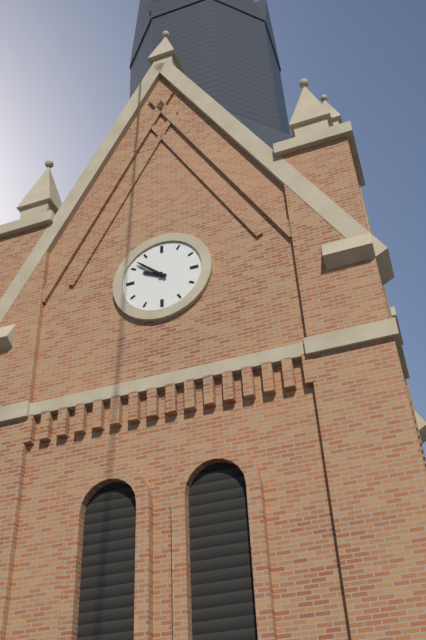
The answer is 9:52
